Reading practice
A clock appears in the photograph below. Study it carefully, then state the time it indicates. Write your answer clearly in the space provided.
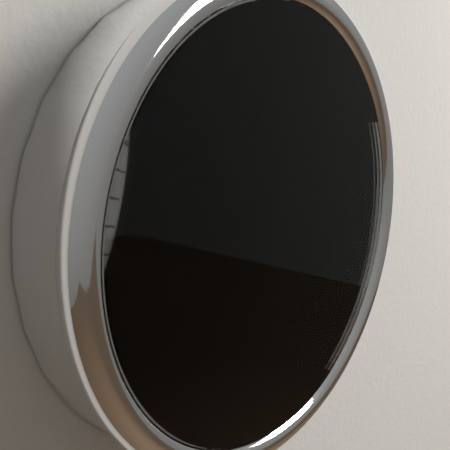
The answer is 8:36
